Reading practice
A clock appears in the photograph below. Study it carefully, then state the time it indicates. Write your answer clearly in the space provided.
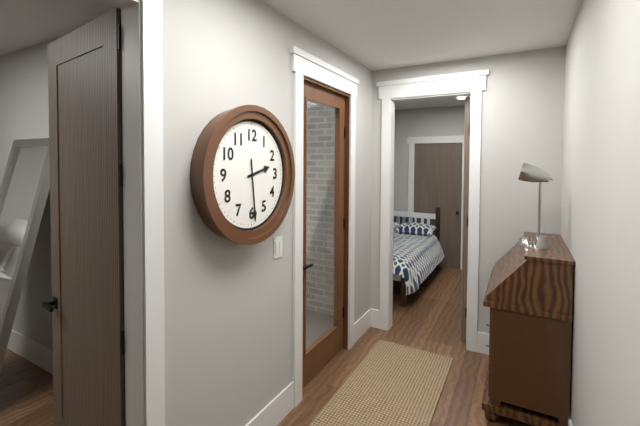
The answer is 2:29
